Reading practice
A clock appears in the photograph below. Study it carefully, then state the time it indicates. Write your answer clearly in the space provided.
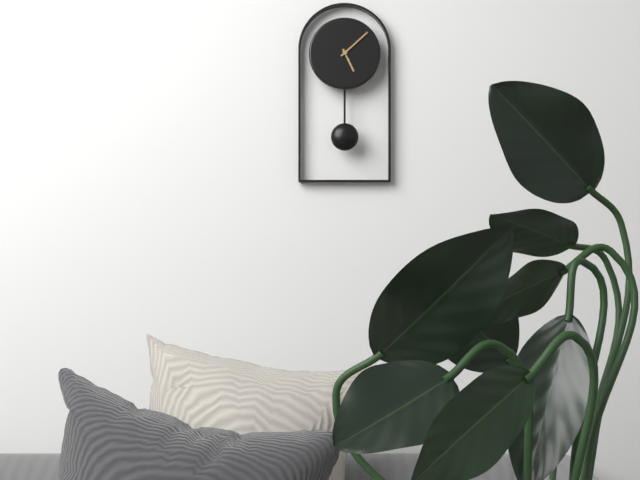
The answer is 5:08
